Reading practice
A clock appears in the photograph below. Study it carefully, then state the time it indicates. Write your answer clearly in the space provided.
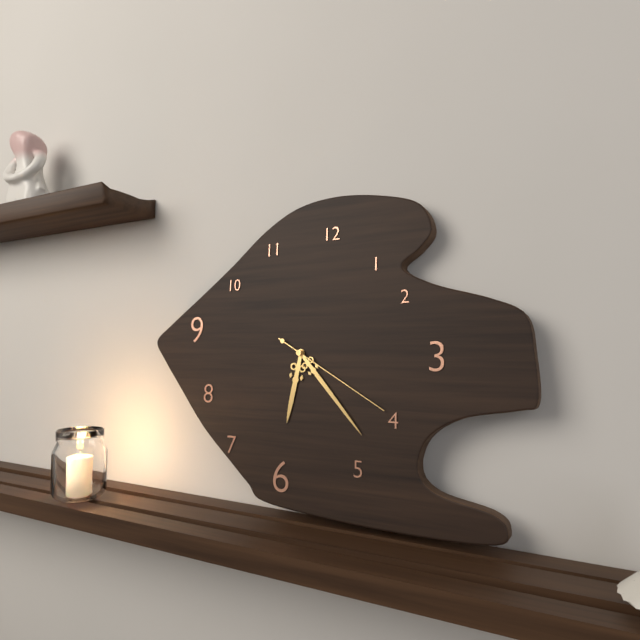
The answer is 6:23:20
